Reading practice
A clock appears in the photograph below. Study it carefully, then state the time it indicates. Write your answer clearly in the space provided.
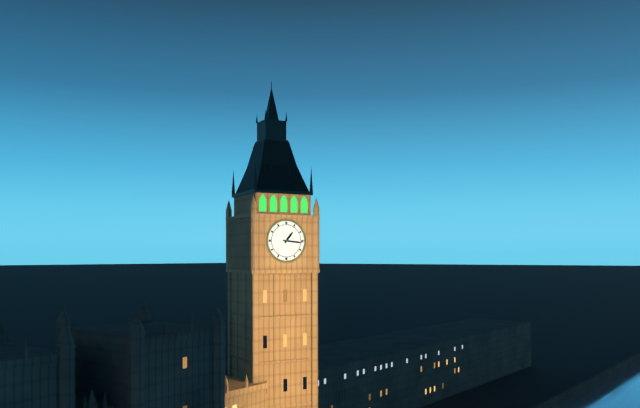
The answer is 1:16
